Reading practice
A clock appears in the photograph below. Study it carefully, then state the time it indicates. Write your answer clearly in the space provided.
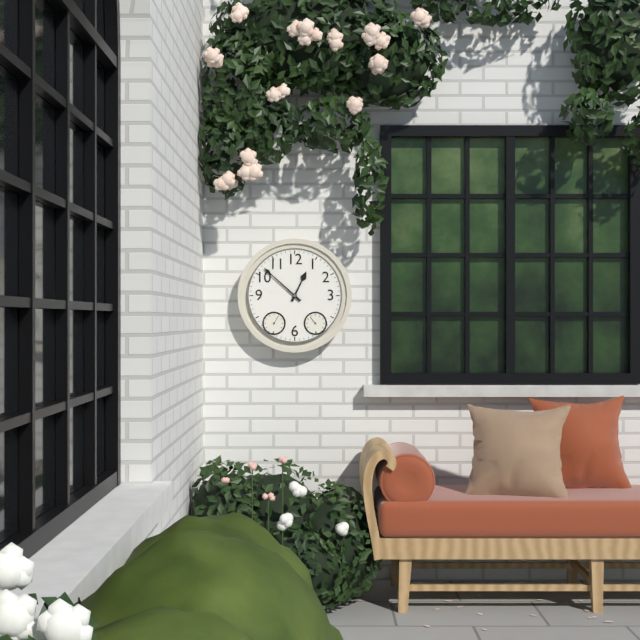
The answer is 12:52
